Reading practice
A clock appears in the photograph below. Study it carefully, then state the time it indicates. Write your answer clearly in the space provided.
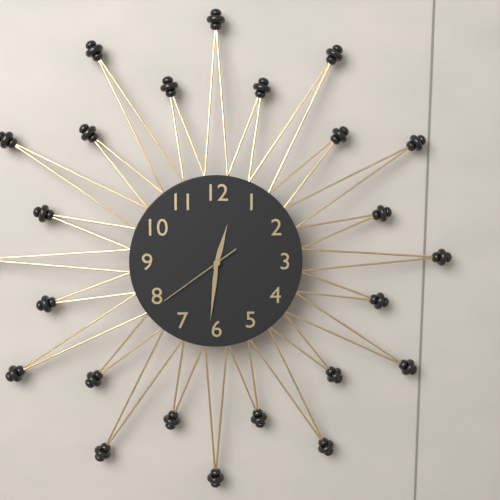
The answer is 12:31:39
